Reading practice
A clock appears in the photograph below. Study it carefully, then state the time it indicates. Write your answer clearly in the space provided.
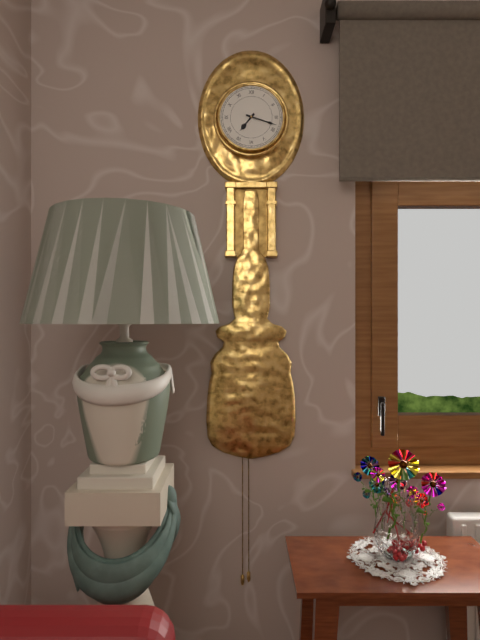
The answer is 7:18
